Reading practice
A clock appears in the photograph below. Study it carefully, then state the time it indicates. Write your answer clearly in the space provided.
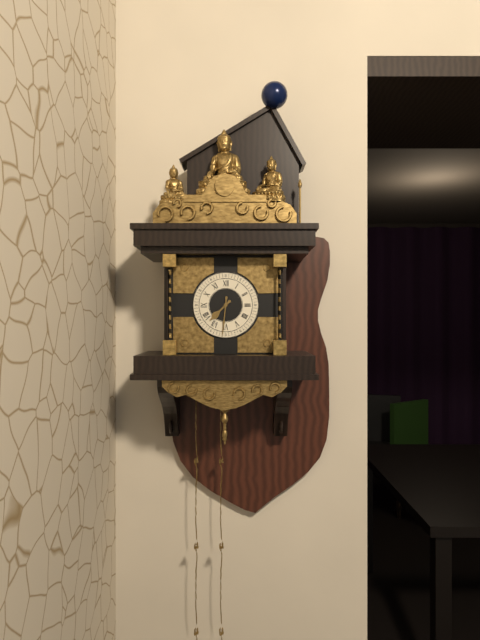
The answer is 7:31
